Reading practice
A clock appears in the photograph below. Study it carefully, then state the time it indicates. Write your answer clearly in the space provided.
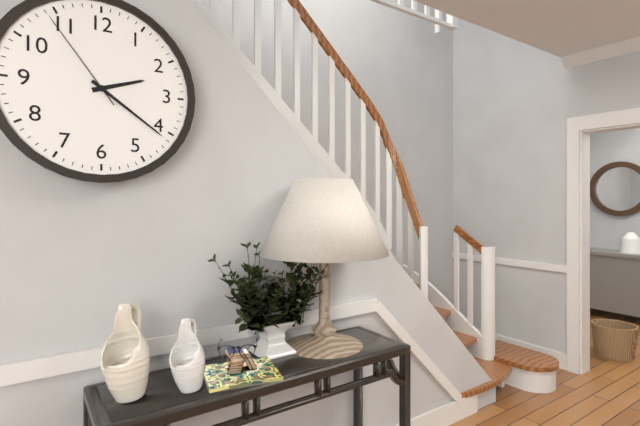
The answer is 2:21:54
